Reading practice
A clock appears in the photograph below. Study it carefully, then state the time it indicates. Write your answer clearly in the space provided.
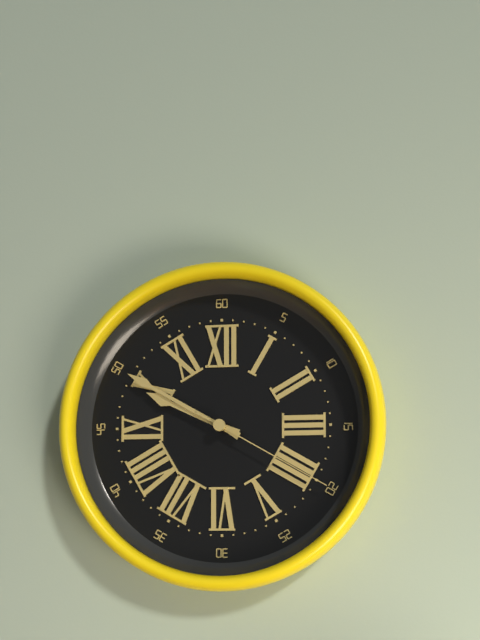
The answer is 9:50:20
